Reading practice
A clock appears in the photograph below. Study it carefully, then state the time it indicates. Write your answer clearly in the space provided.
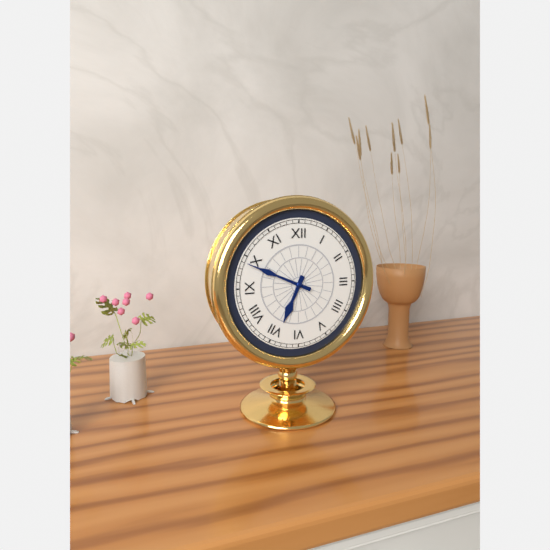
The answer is 6:49
